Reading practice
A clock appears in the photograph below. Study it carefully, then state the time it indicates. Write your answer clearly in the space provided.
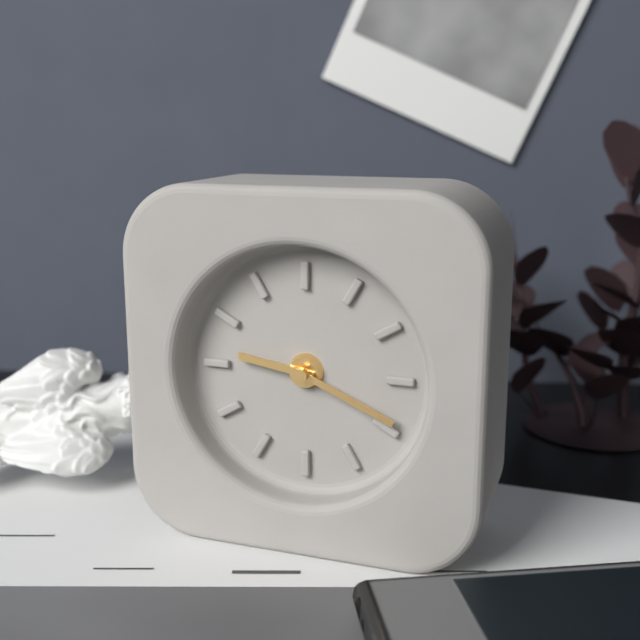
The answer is 9:19
